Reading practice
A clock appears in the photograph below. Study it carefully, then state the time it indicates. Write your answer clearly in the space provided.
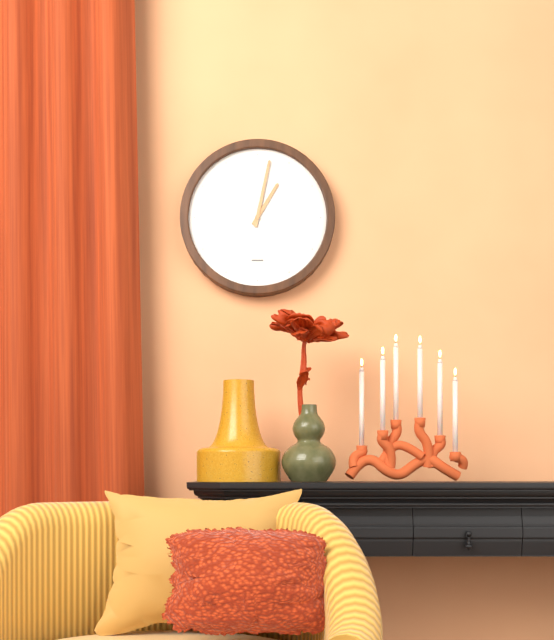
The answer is 1:02
